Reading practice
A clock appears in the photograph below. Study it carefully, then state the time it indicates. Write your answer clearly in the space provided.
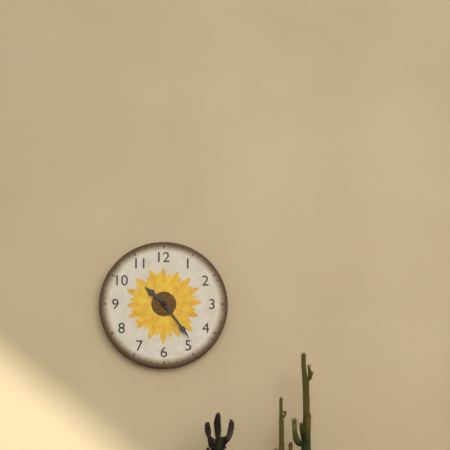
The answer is 10:24
